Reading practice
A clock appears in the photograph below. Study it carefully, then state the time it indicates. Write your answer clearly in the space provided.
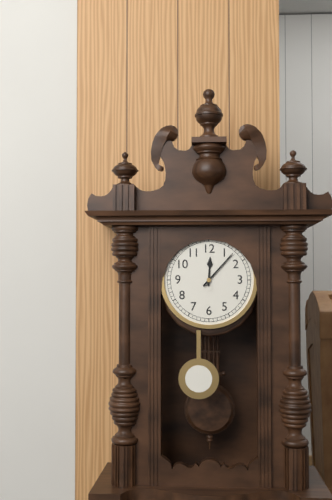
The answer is 12:07
